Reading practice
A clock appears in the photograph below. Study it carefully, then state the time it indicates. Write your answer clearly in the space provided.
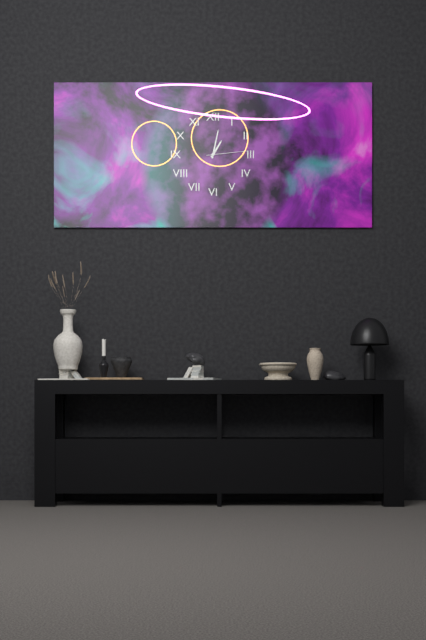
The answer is 1:02
